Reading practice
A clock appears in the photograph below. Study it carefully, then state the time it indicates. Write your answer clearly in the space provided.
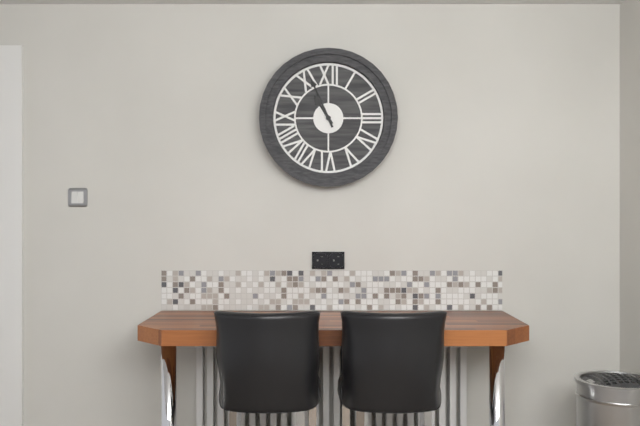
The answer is 10:56
